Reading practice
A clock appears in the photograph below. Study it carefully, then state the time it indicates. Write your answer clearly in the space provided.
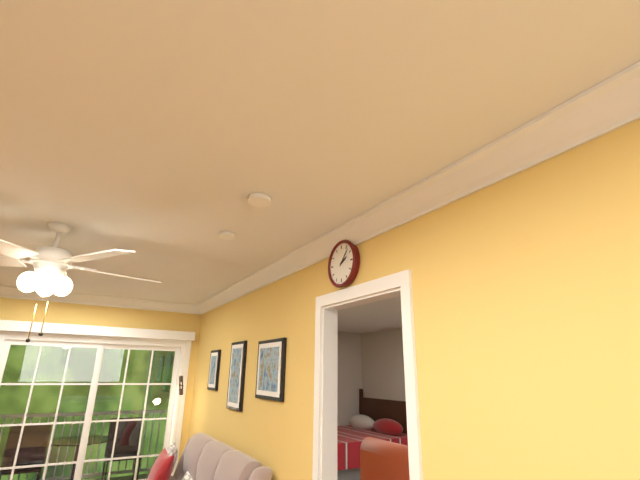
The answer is 2:07
